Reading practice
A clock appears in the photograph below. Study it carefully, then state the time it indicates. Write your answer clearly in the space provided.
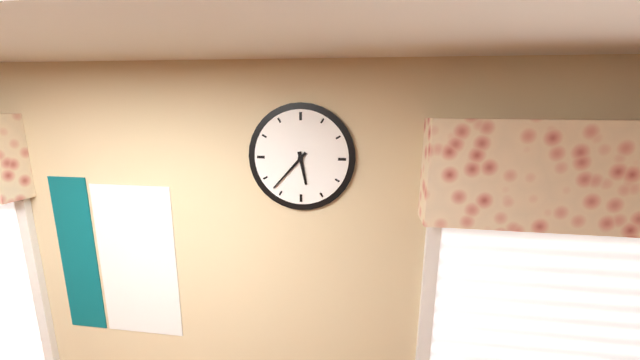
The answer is 5:37
